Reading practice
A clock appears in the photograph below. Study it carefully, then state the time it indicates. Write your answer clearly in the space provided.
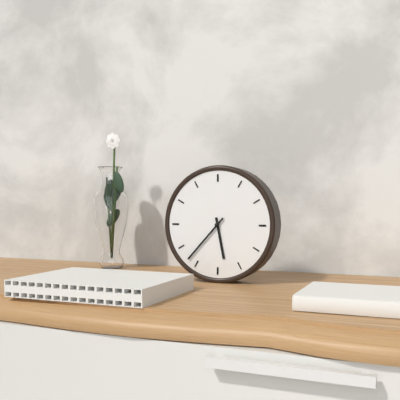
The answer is 5:37
